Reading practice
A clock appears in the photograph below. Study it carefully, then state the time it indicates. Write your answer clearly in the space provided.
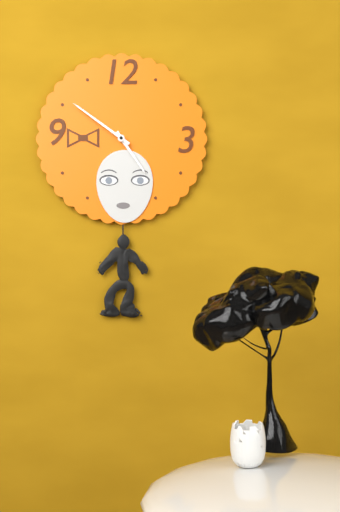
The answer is 4:51
